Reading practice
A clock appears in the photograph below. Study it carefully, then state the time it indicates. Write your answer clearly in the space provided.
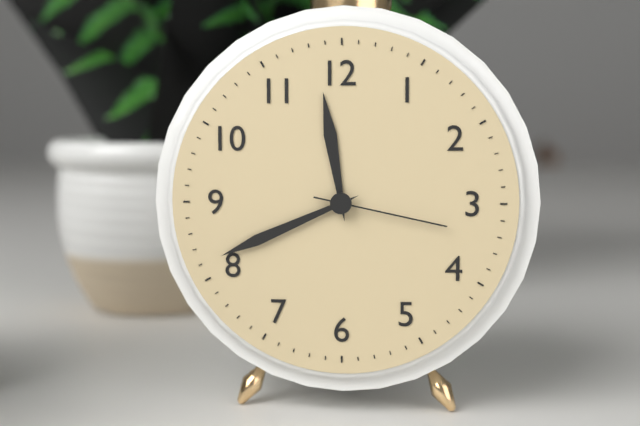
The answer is 11:41:17
